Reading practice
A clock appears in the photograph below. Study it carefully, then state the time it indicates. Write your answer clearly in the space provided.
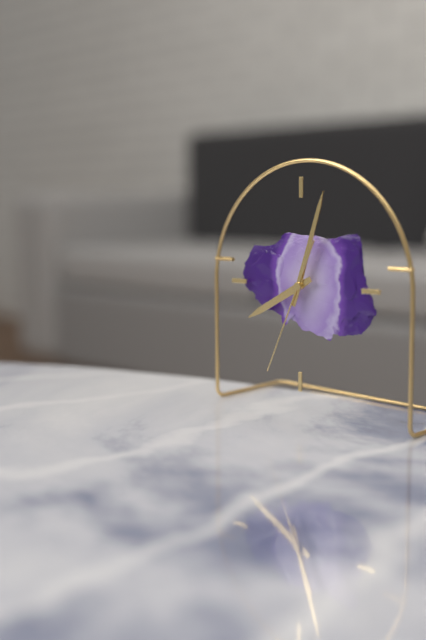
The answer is 8:03:34
